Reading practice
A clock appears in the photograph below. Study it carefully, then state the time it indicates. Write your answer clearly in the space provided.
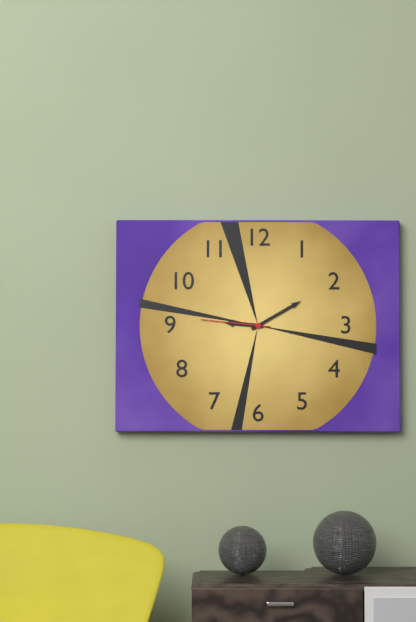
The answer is 9:10:46
